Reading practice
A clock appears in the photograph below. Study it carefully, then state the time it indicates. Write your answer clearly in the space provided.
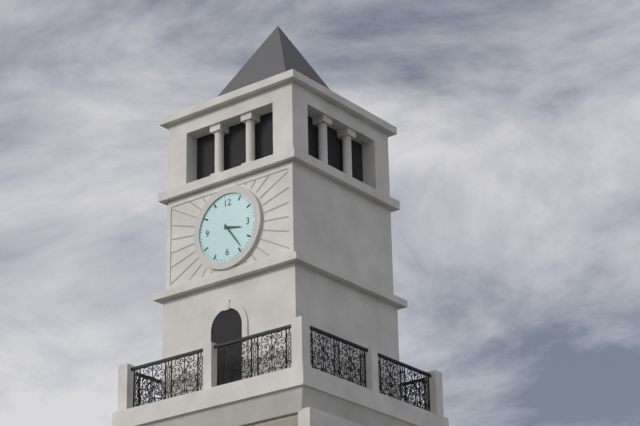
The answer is 3:24
